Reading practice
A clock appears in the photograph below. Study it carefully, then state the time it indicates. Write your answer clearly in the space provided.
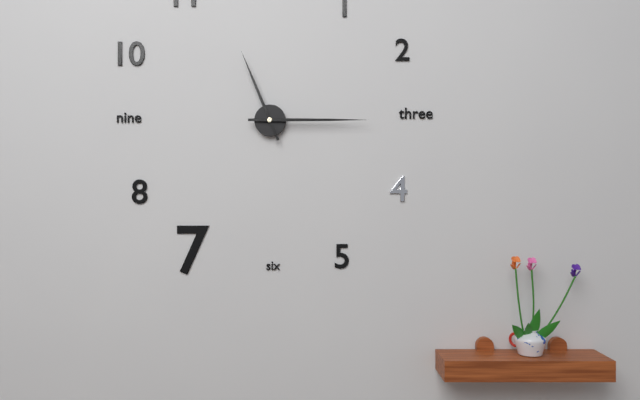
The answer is 11:15
